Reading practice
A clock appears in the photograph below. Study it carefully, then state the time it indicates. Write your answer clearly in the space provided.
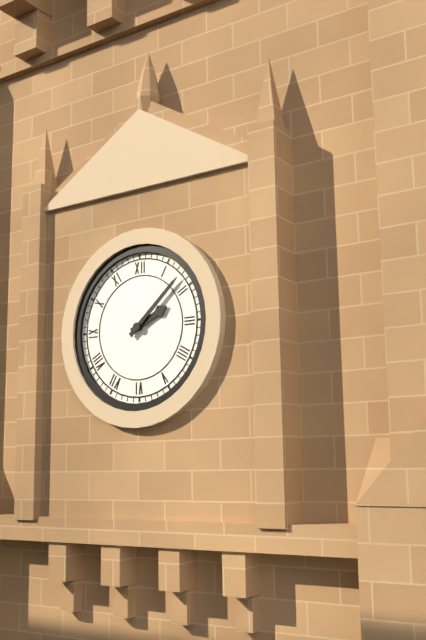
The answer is 2:08
